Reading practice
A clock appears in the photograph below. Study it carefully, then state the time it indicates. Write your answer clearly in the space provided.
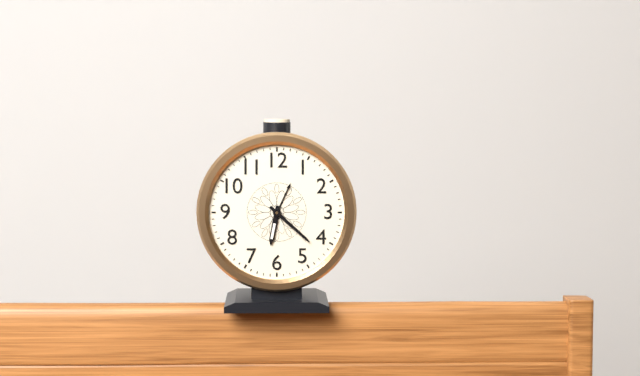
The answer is 6:22
